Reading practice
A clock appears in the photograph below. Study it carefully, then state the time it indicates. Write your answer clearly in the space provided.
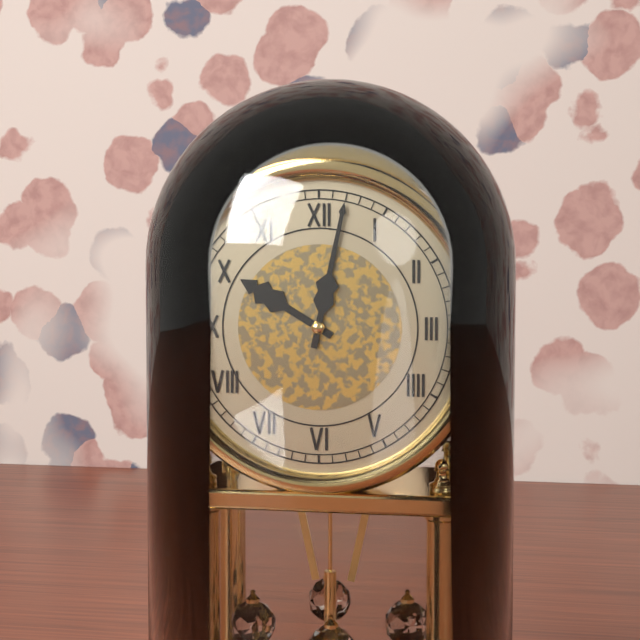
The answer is 10:02
